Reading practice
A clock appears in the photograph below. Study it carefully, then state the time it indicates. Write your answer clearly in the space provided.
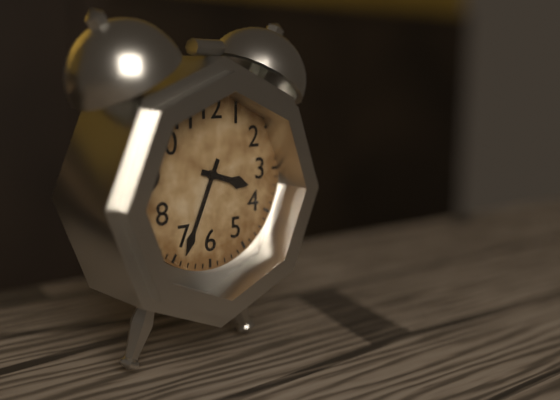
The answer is 3:34
